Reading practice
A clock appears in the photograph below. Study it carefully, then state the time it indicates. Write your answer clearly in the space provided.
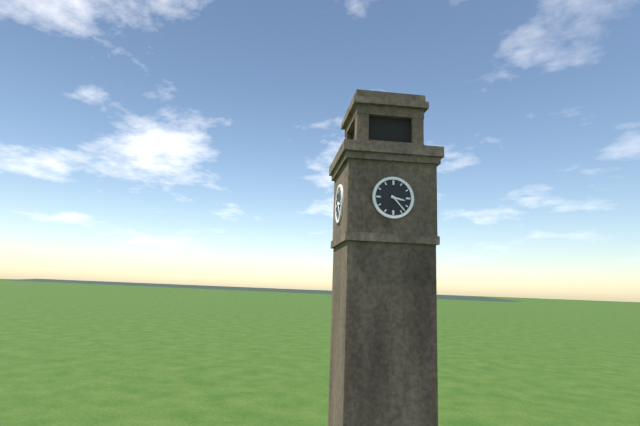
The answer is 3:23
